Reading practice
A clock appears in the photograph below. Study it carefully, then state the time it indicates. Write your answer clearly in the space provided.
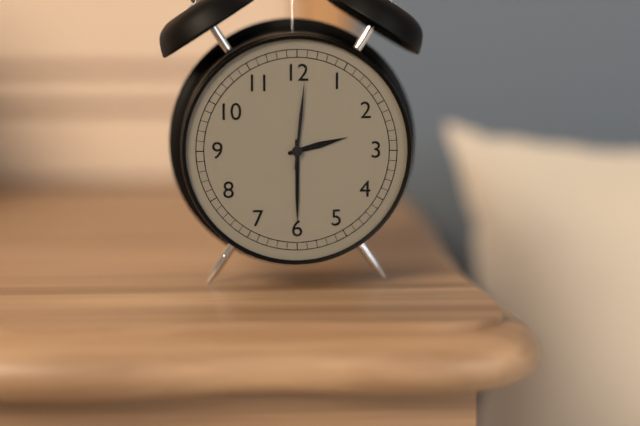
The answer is 2:30:01
